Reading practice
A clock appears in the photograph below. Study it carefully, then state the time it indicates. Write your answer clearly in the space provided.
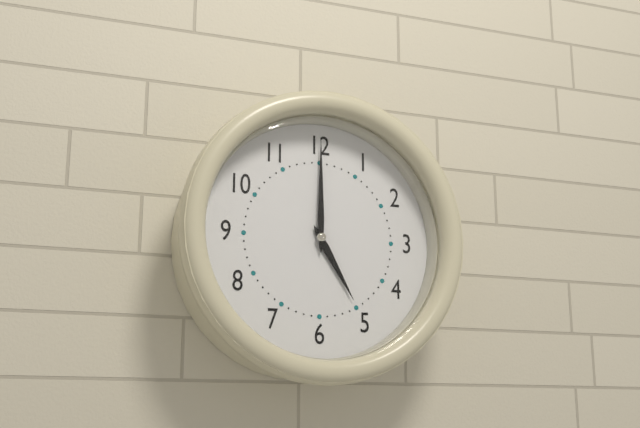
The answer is 5:00
